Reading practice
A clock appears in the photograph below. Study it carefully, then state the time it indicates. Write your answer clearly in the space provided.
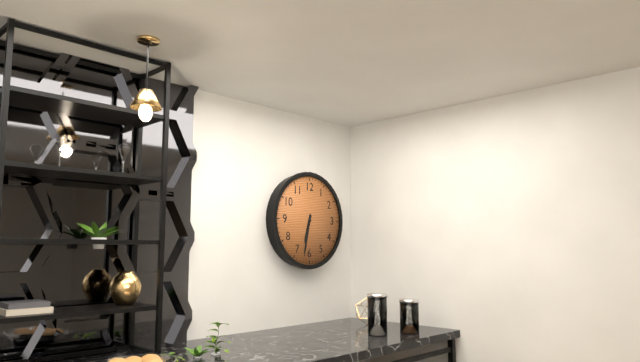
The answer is 6:32
